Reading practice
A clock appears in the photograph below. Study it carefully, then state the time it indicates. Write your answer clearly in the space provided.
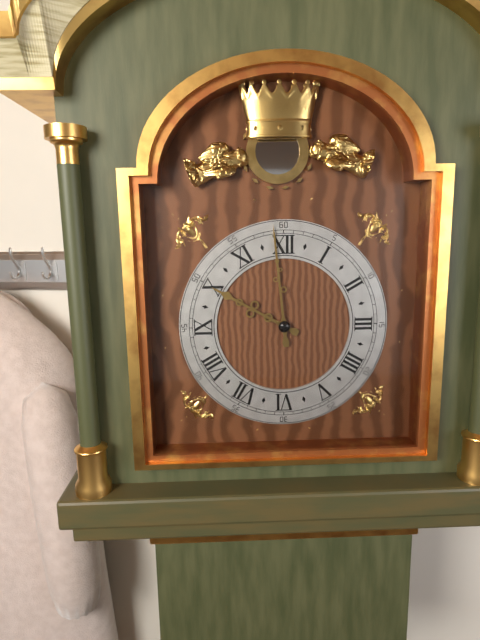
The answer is 9:59
